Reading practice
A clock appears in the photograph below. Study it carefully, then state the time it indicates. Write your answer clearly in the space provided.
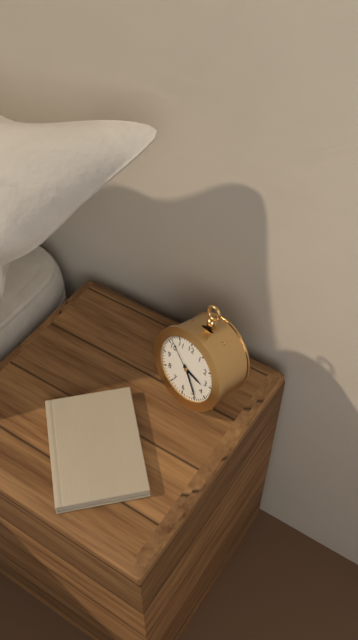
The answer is 3:24
